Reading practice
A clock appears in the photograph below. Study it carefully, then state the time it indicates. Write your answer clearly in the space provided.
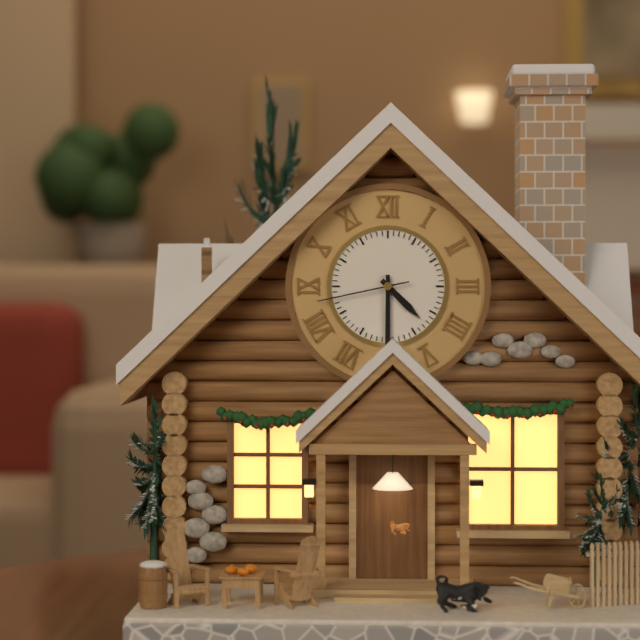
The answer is 4:30:43
